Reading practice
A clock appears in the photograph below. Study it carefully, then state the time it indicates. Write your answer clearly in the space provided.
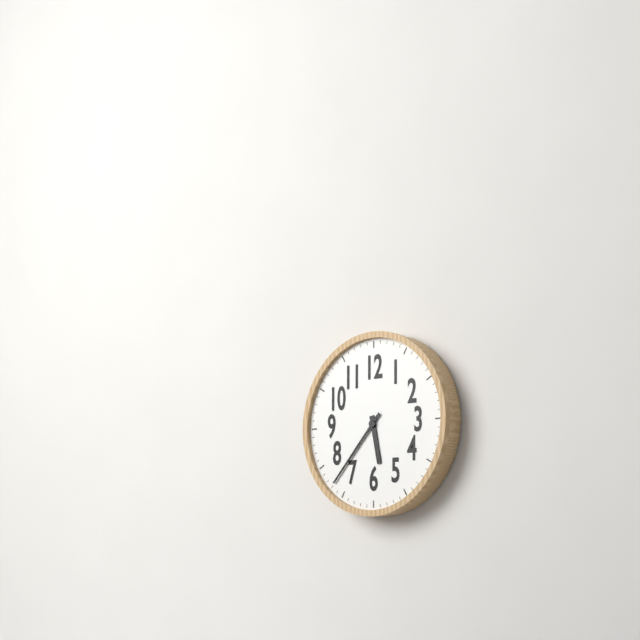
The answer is 5:37
